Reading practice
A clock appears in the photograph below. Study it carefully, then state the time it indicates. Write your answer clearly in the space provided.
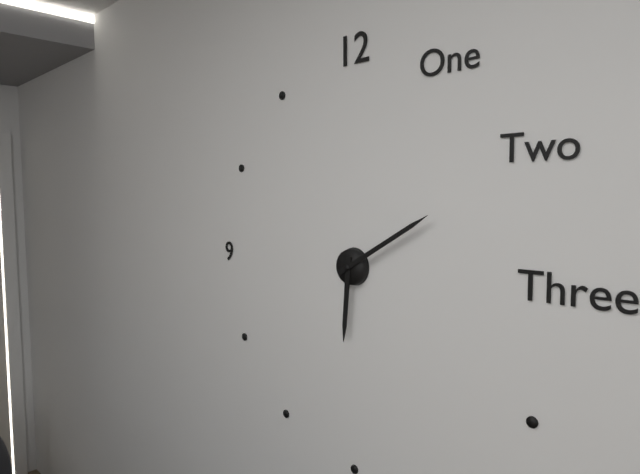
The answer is 6:10
